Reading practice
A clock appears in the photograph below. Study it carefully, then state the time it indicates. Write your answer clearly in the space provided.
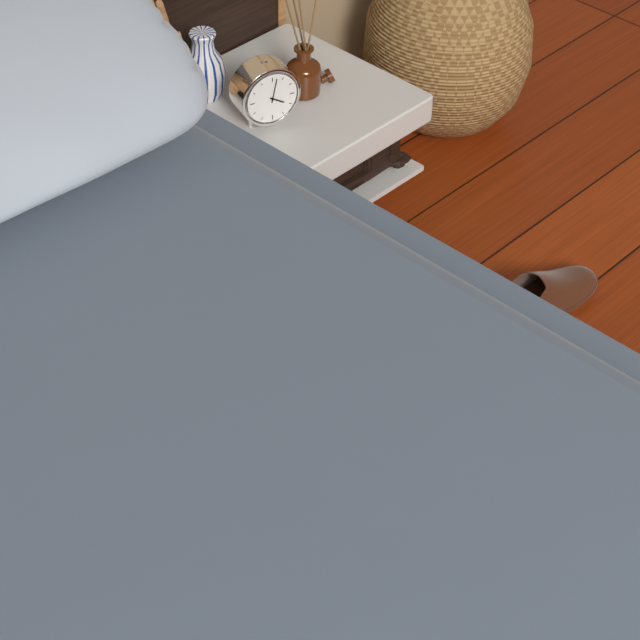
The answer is 4:02
